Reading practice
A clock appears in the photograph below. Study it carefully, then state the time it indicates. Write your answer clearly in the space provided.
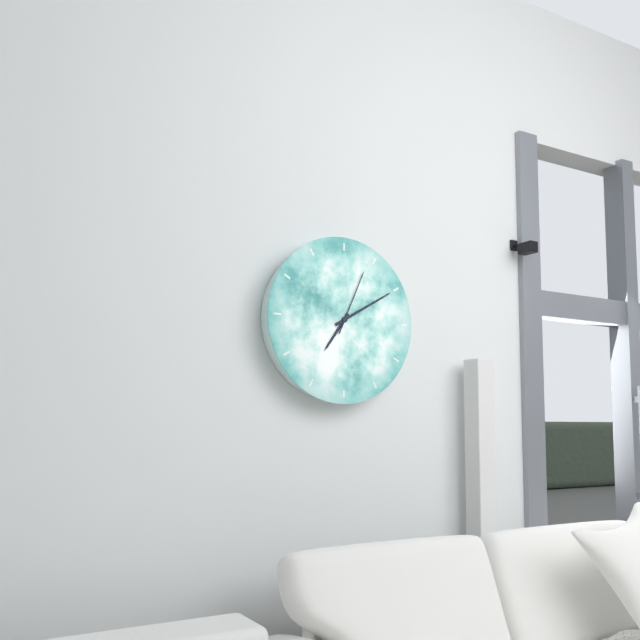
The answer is 7:10:04
